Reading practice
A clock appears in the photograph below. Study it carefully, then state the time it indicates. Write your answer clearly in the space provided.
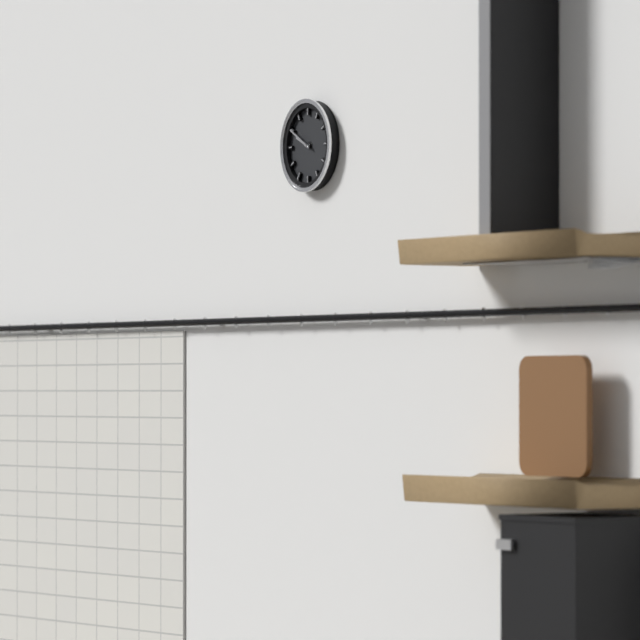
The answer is 9:50
